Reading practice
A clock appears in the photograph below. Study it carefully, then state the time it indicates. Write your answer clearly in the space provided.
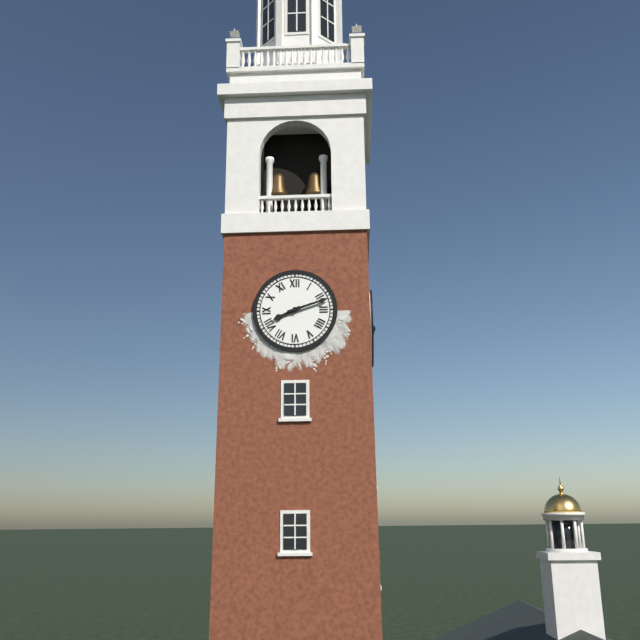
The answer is 8:12
